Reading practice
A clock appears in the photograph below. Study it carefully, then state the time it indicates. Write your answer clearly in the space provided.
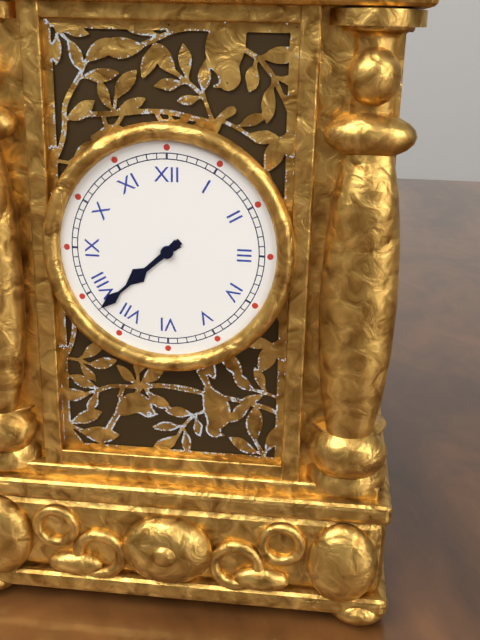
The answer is 7:38
